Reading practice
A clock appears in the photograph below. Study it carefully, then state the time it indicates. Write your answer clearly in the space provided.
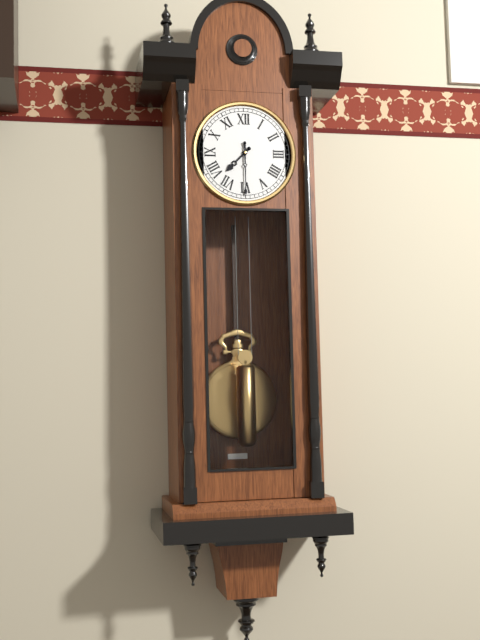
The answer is 7:30
